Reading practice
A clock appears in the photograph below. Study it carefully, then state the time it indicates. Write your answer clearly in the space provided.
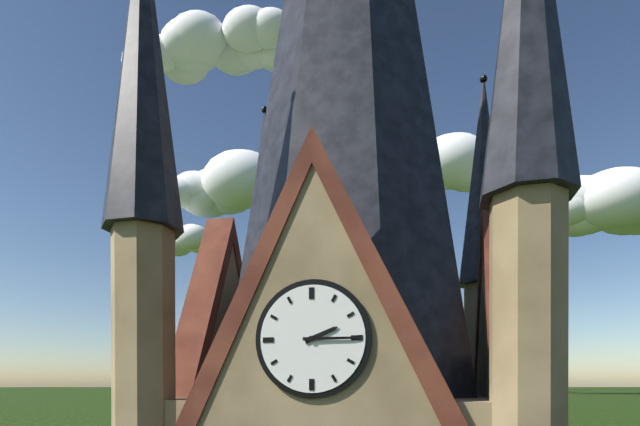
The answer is 2:15
